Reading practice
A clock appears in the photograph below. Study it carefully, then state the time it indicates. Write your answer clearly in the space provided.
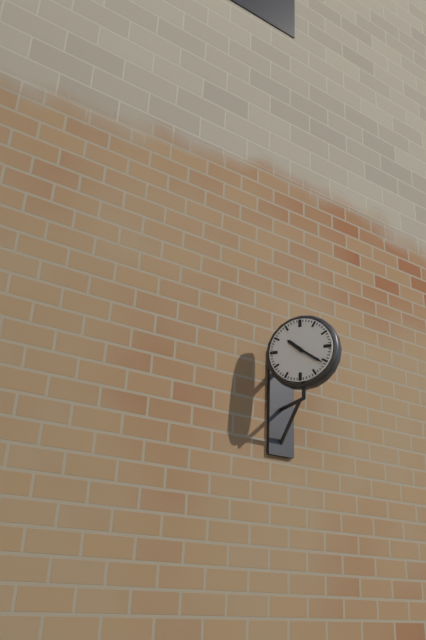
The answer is 10:21
